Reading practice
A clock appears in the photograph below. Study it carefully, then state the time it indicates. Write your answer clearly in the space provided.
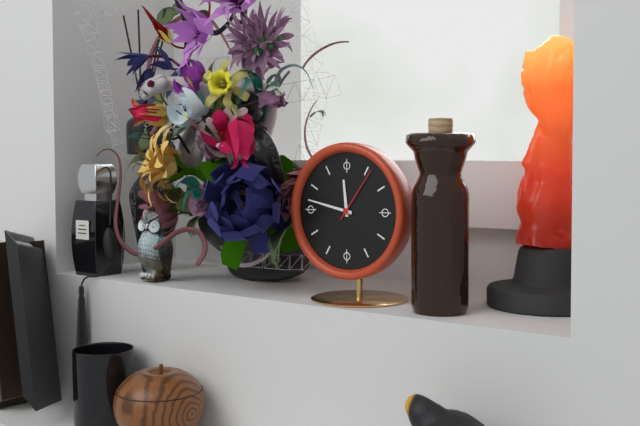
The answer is 11:47:06
